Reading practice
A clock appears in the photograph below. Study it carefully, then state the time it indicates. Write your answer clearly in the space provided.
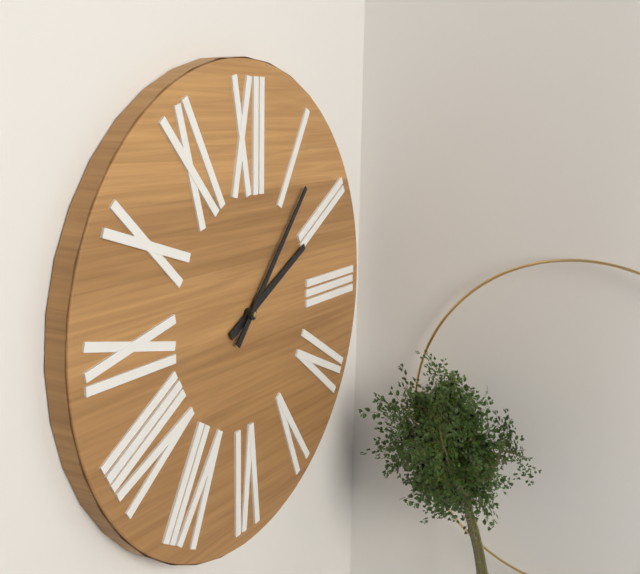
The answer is 2:07
